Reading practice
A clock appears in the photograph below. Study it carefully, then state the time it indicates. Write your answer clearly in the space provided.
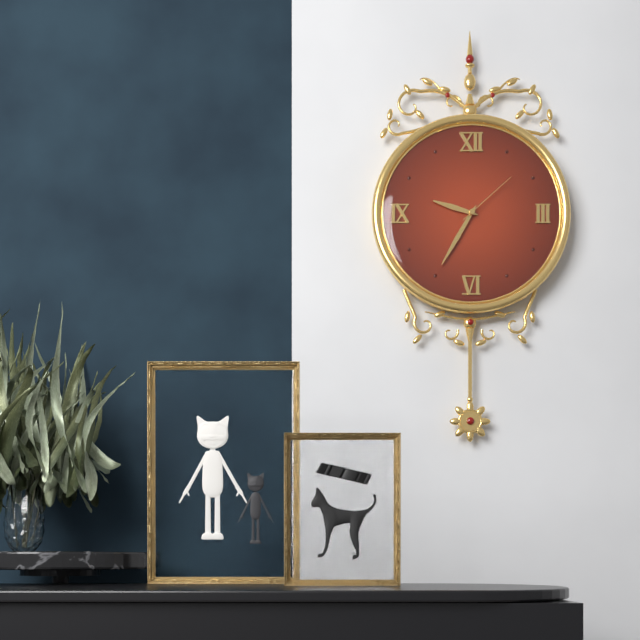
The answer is 9:35:08
